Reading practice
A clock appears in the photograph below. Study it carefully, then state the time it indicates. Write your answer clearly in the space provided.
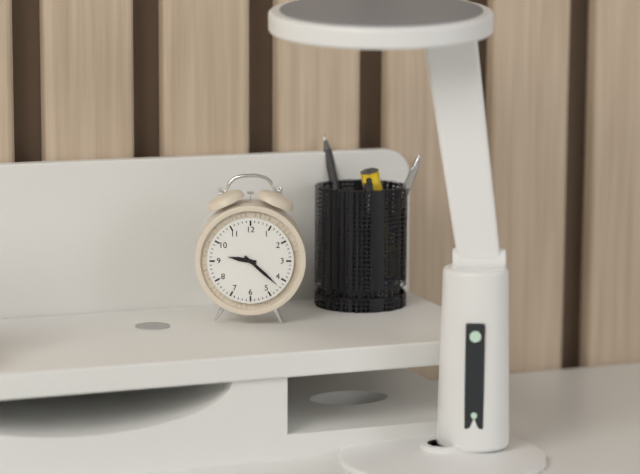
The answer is 9:22
